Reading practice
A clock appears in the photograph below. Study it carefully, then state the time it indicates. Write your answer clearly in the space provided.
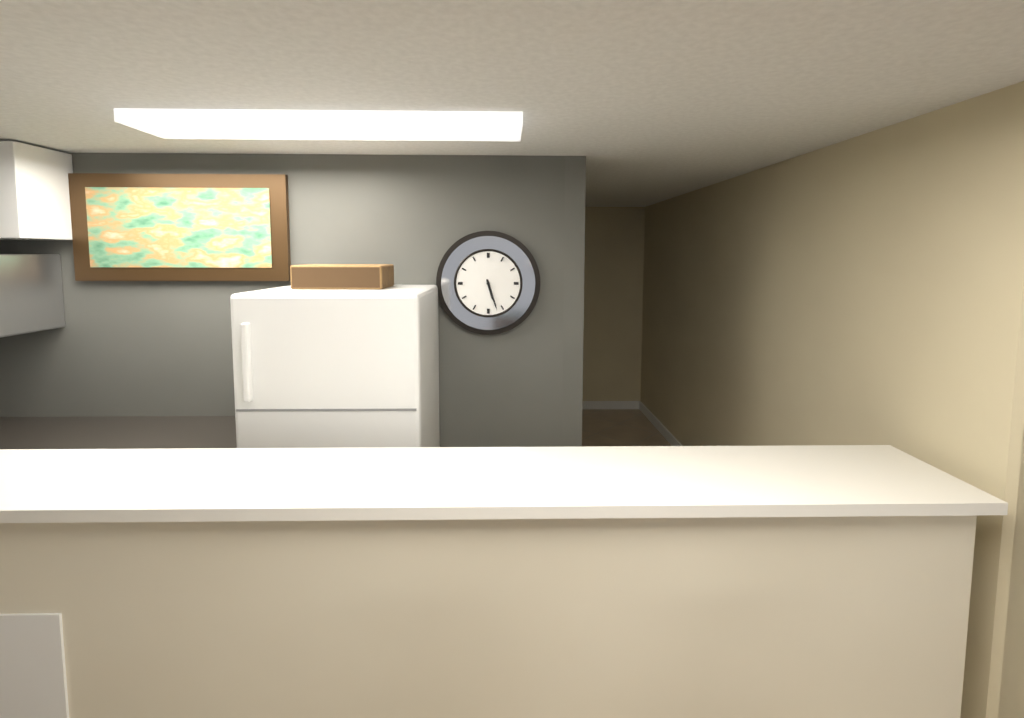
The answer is 5:27
